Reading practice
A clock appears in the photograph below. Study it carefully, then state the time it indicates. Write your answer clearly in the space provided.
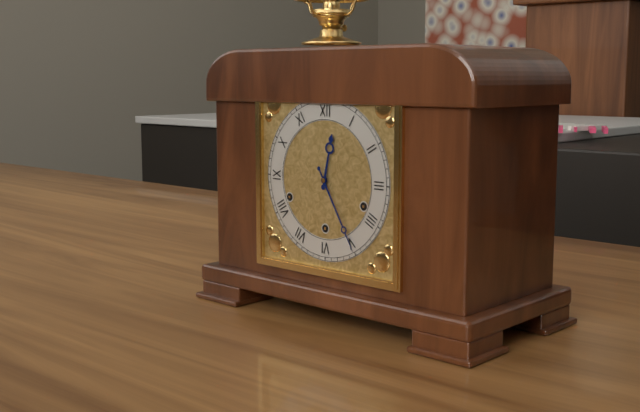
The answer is 12:25
